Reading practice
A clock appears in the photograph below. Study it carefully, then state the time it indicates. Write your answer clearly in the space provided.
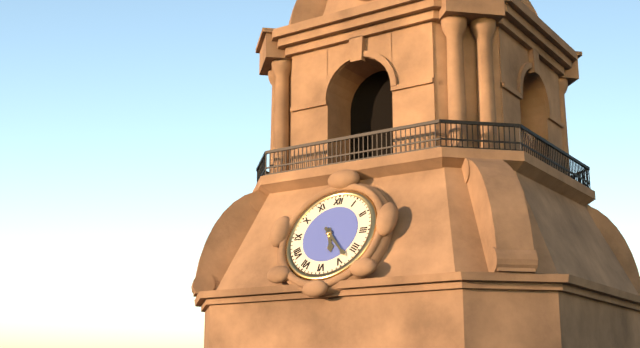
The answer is 5:23
